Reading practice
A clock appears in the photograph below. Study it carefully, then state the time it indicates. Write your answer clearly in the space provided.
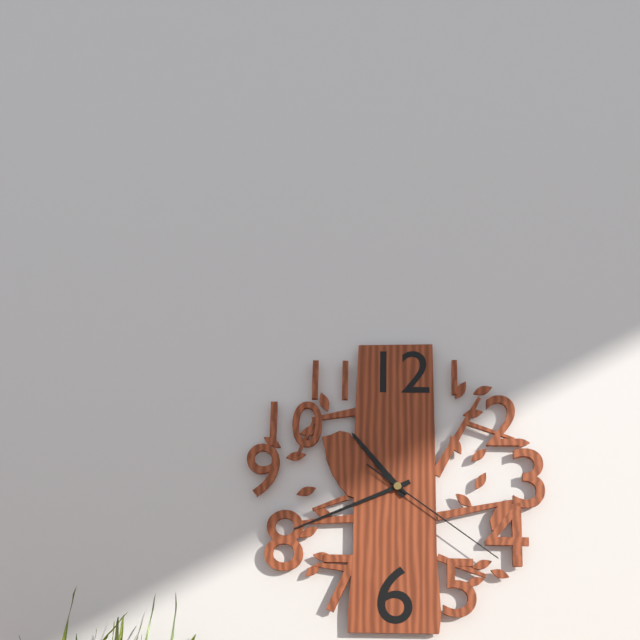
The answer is 10:41:21
